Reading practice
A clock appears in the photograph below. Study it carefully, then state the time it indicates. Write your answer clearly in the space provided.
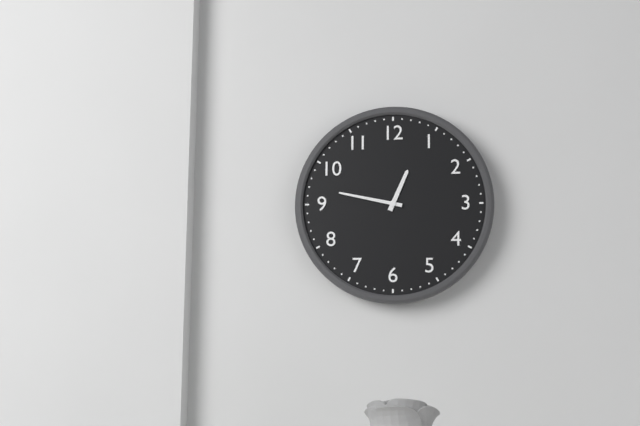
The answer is 12:47
